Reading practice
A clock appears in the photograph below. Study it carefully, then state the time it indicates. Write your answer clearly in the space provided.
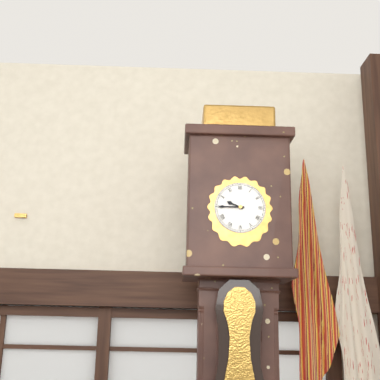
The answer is 9:45
